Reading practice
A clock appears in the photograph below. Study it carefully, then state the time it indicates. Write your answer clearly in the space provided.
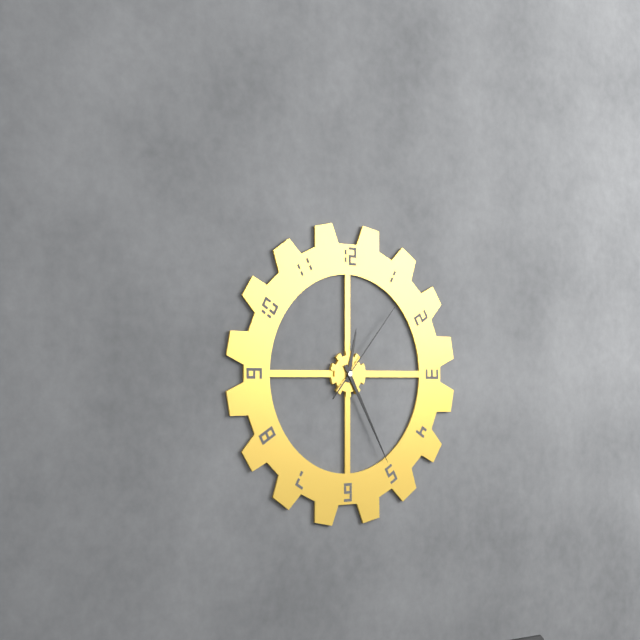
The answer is 12:25:07
